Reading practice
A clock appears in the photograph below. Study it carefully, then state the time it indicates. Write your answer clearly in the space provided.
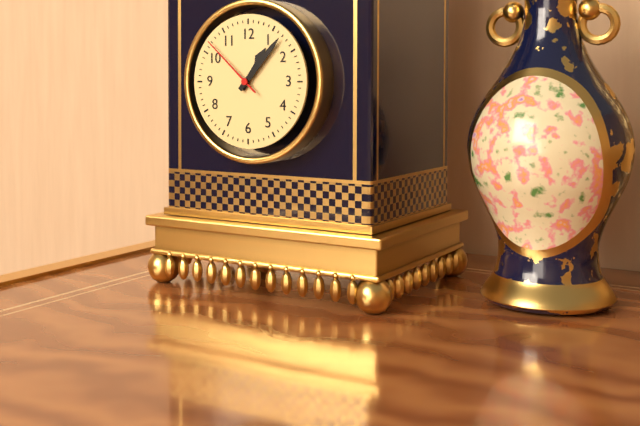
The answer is 1:07:52
